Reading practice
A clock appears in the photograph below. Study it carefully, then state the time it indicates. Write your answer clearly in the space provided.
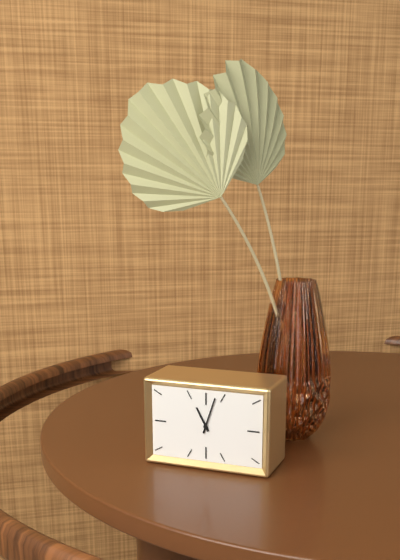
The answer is 11:03
